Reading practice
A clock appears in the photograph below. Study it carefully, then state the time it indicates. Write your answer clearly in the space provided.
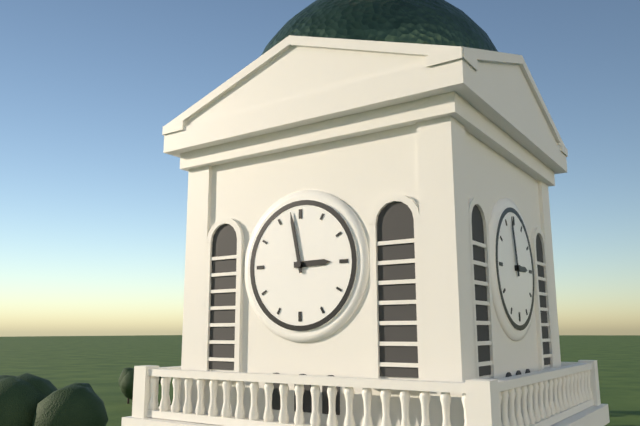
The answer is 2:58
